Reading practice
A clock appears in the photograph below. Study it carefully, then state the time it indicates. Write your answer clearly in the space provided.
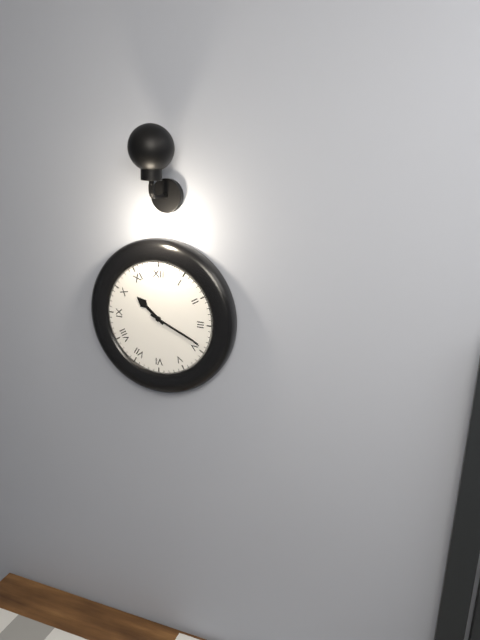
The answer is 10:19
